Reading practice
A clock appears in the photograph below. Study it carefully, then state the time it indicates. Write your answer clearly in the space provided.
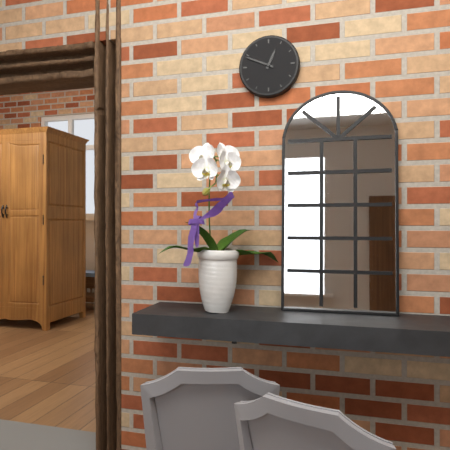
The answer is 12:49
